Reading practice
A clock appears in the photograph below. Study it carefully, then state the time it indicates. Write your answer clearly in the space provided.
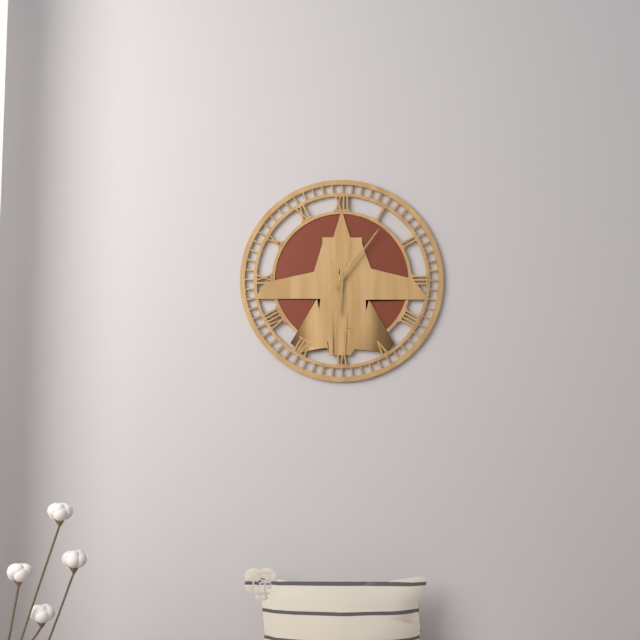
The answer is 6:06
